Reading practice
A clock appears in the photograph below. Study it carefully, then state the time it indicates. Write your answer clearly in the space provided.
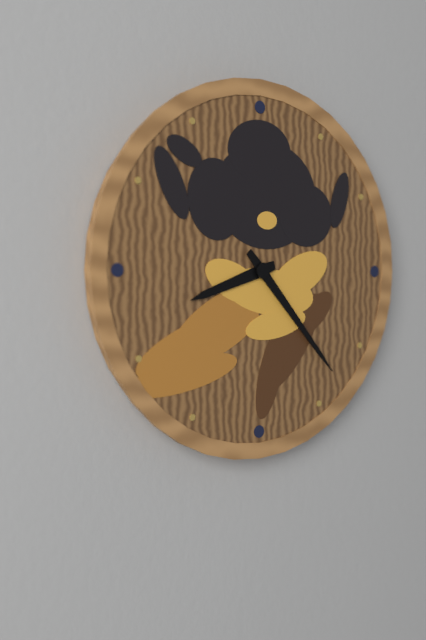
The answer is 8:23
